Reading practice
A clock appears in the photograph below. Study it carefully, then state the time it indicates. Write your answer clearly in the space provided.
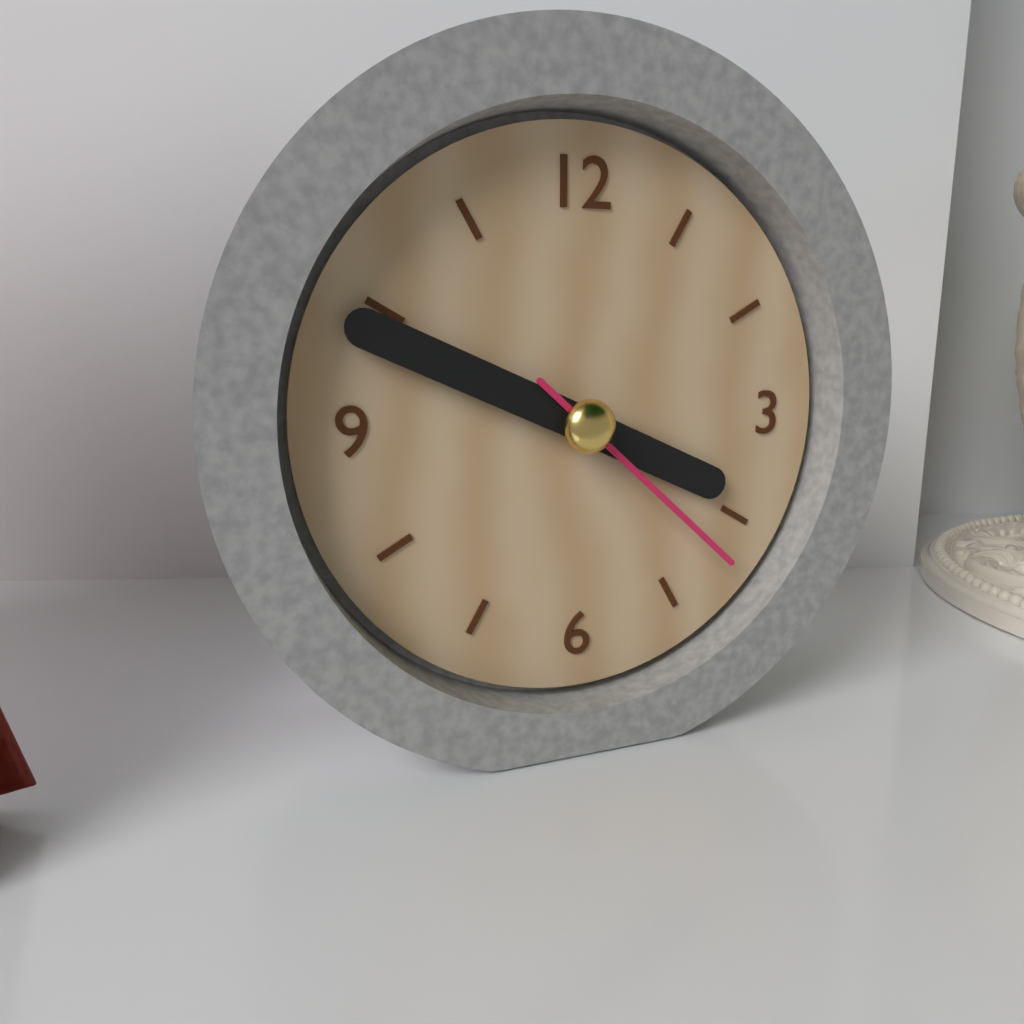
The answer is 3:49:22
